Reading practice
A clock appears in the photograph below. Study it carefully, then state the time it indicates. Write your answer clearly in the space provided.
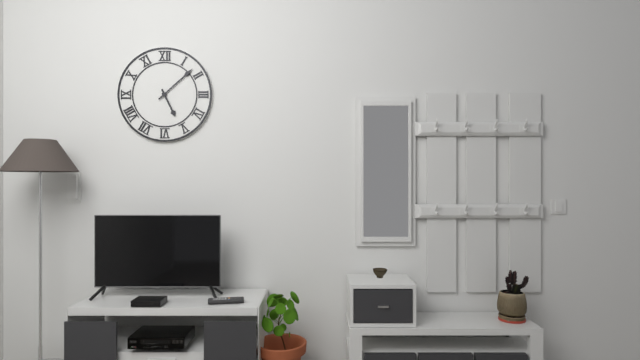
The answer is 5:08
